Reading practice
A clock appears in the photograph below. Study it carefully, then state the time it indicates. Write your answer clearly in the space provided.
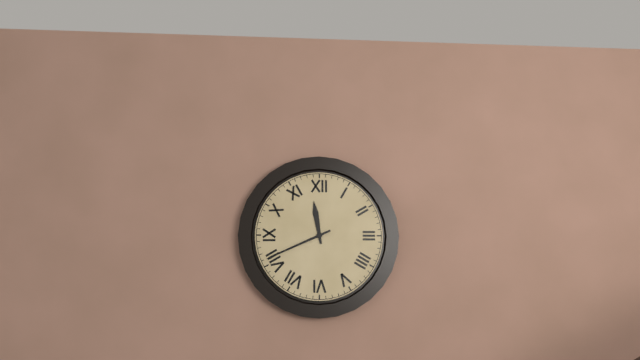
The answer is 11:41
